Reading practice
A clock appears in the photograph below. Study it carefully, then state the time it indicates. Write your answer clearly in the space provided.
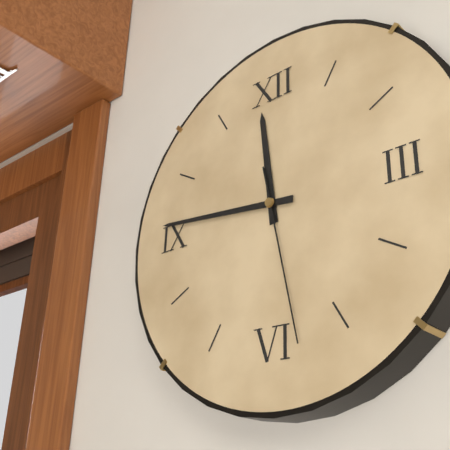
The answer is 11:46:28
